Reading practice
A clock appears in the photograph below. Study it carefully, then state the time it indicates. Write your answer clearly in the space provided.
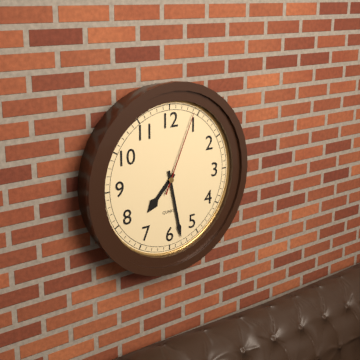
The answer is 7:28:04
